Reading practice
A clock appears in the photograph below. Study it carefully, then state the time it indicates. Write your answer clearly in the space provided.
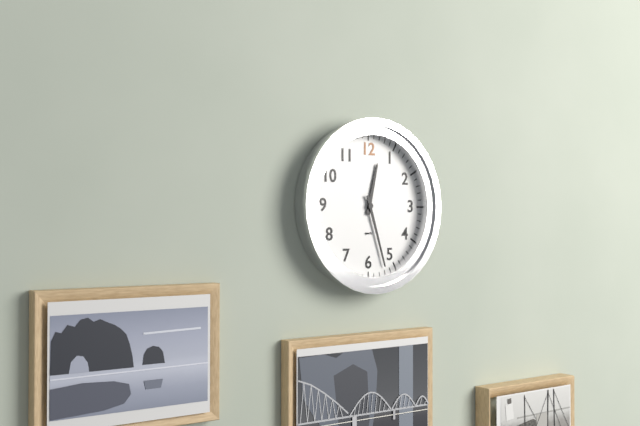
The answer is 12:27
